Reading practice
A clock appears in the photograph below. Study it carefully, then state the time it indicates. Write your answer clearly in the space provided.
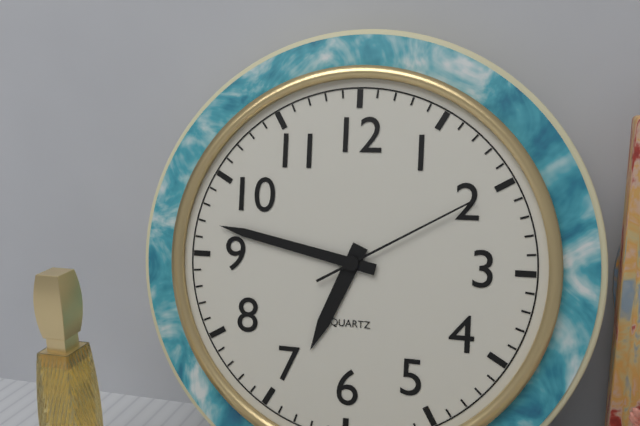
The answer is 6:47:10
